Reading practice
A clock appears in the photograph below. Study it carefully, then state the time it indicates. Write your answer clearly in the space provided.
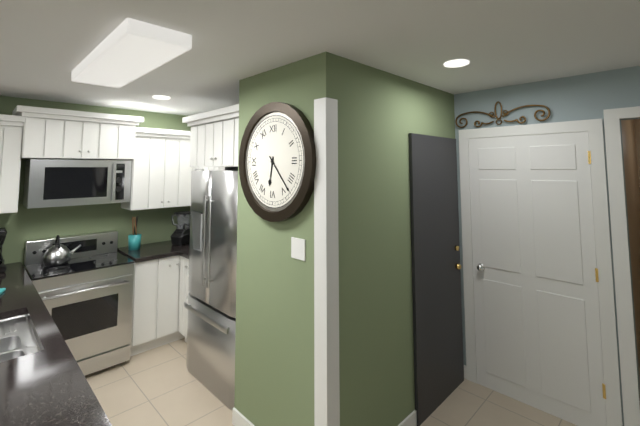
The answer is 6:23
